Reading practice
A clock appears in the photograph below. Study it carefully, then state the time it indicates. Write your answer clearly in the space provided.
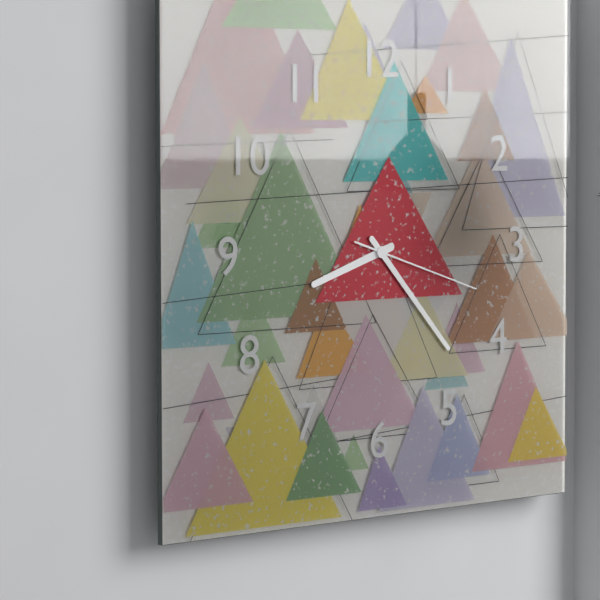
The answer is 8:23:18
